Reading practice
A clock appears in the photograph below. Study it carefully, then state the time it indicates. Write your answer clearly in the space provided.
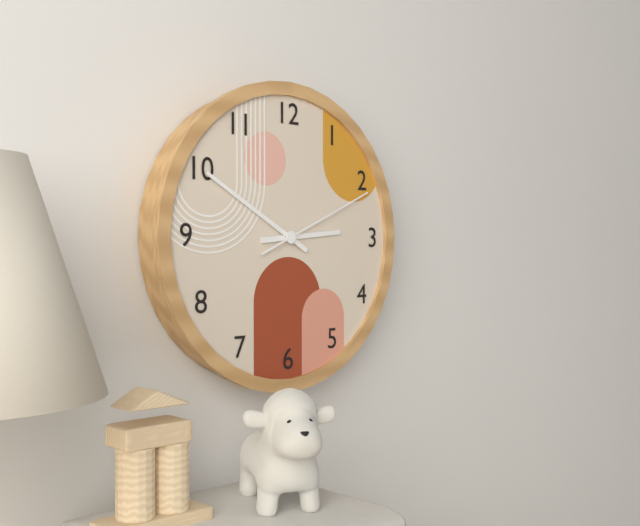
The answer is 2:50:11
